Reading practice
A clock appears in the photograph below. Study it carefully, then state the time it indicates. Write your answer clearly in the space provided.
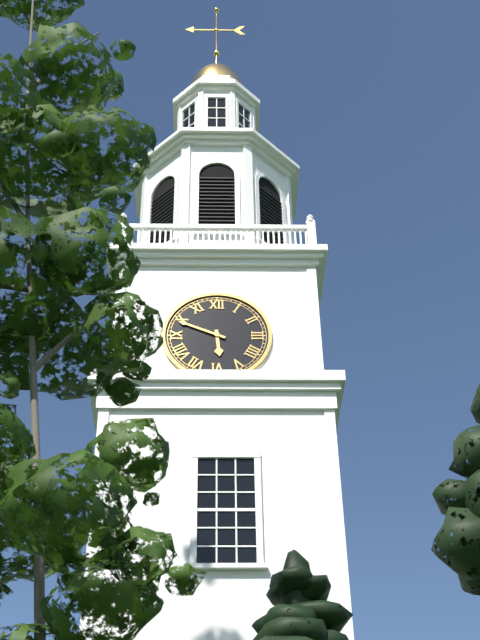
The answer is 5:49
